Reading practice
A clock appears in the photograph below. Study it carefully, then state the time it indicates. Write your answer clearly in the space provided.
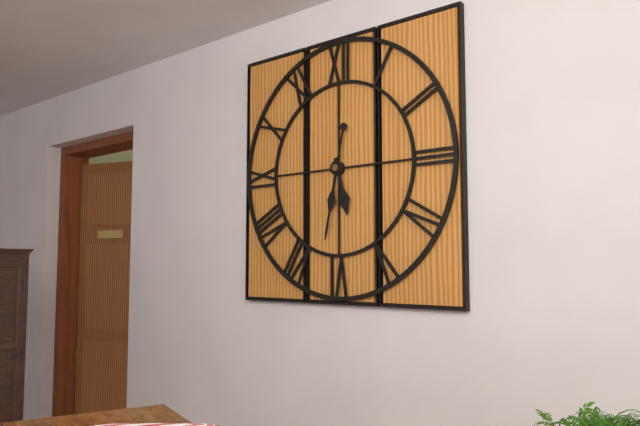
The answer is 5:32
